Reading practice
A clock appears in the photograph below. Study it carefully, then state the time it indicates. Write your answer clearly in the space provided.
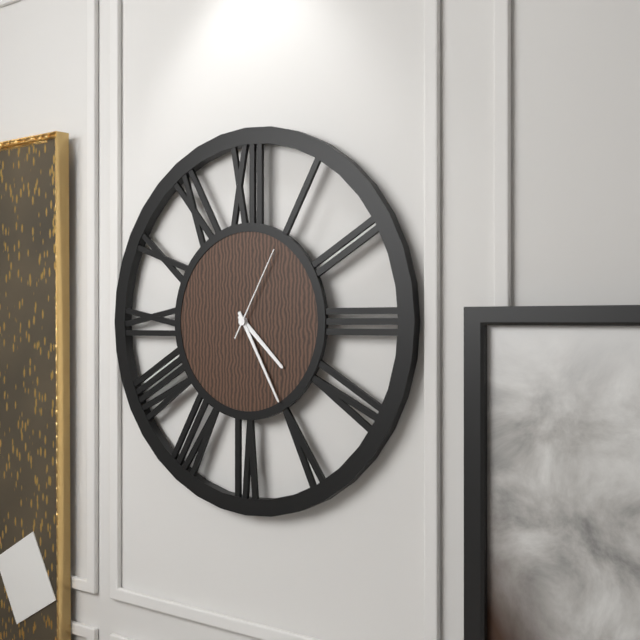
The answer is 4:25:05
